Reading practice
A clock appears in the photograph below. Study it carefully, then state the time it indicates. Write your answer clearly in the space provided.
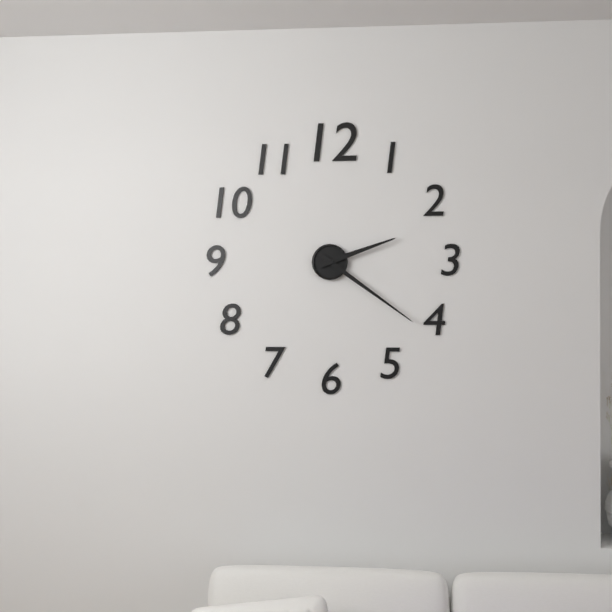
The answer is 2:21
